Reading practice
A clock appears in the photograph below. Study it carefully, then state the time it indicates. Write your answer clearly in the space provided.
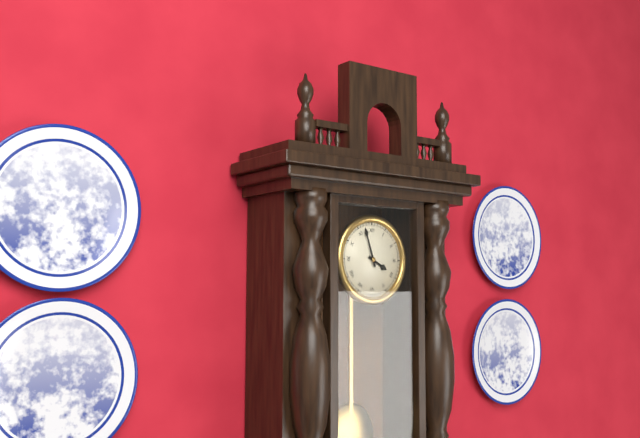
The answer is 3:57
